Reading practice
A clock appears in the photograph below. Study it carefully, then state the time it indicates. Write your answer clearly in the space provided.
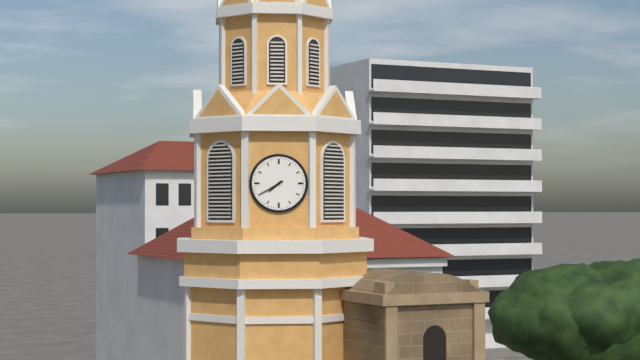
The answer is 7:40
